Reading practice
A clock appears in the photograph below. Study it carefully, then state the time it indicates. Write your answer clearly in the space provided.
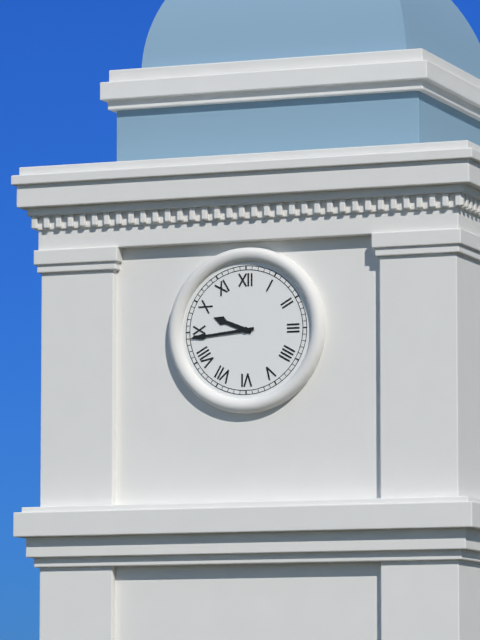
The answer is 9:44
